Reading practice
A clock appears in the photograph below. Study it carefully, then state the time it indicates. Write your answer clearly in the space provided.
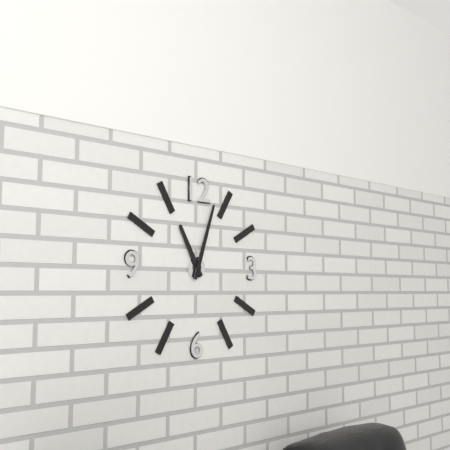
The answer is 11:03
